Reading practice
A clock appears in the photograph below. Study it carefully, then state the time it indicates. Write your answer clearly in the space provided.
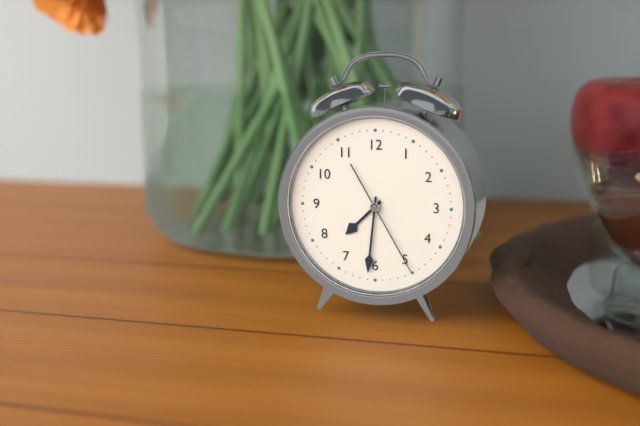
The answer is 7:31:25
